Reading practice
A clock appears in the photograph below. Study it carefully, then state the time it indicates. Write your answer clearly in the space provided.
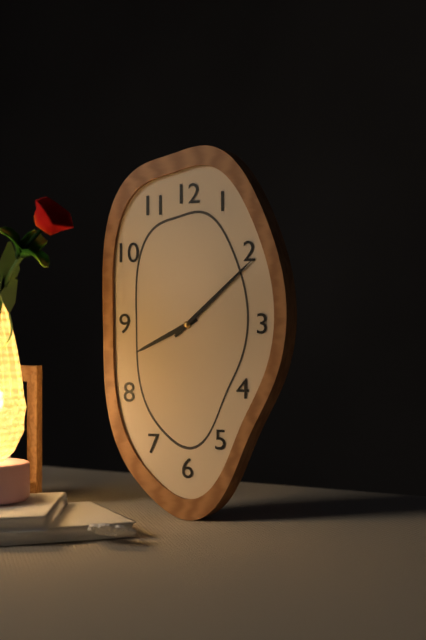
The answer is 8:08
